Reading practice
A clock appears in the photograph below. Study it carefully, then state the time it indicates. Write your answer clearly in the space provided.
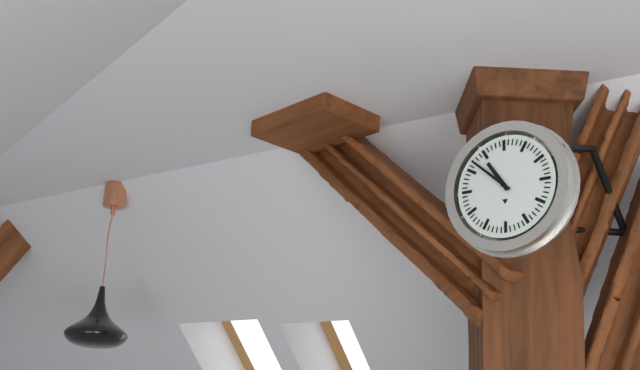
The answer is 10:52
